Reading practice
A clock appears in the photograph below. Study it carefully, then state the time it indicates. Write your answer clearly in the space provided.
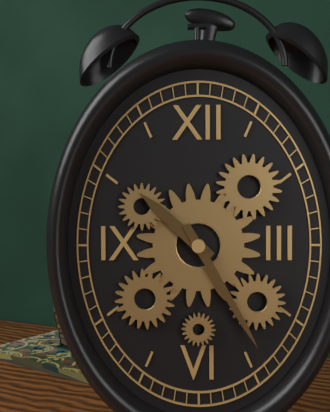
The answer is 10:25
